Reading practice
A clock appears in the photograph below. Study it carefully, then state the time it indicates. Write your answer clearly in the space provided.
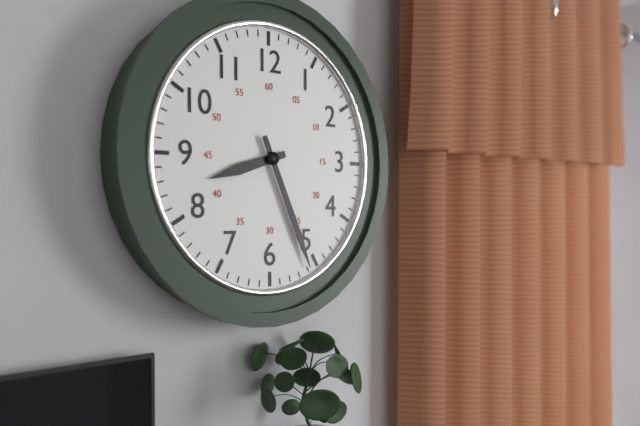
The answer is 8:26
